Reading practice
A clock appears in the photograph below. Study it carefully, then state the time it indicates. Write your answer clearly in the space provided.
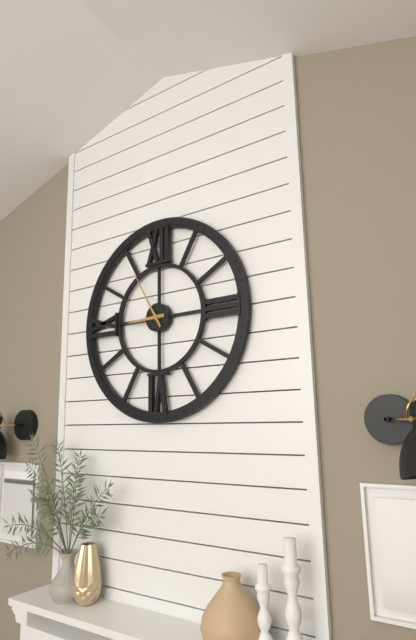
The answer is 8:55
